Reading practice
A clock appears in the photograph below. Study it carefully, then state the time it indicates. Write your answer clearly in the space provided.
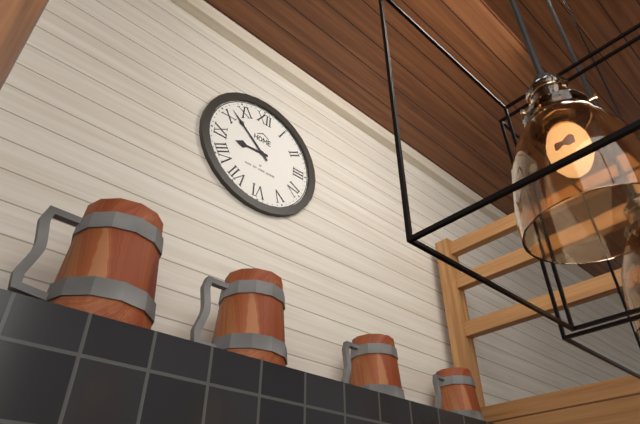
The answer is 8:52
